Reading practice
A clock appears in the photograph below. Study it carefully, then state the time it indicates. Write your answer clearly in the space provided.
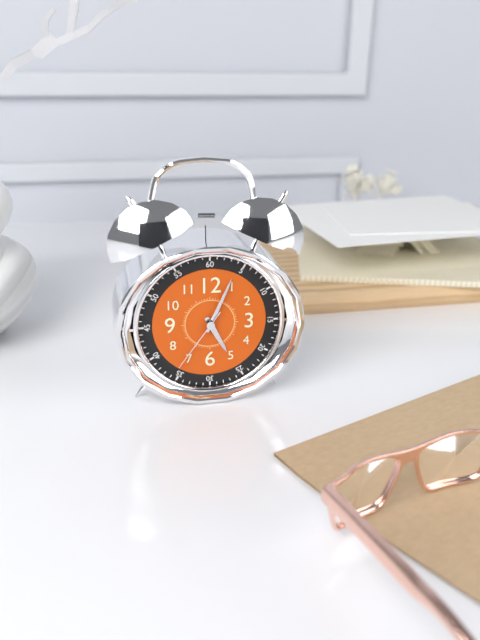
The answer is 5:04:36
